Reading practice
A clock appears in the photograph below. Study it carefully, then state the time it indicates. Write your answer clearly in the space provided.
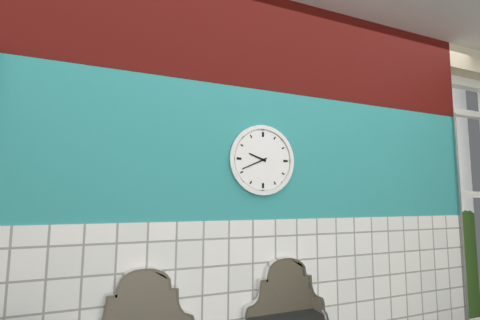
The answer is 9:41
